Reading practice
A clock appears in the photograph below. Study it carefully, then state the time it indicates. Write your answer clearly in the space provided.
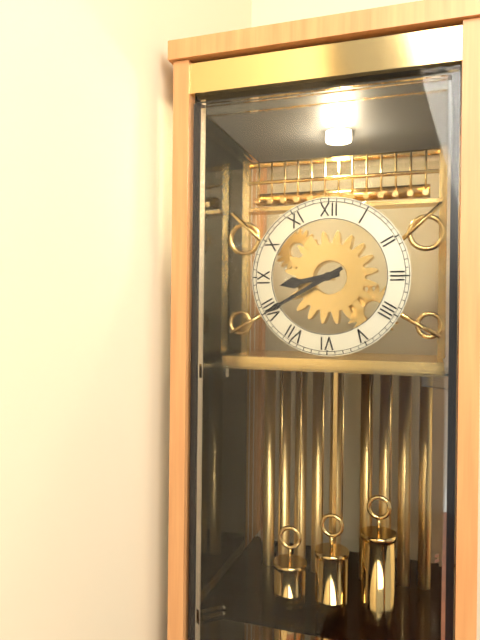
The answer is 8:40
